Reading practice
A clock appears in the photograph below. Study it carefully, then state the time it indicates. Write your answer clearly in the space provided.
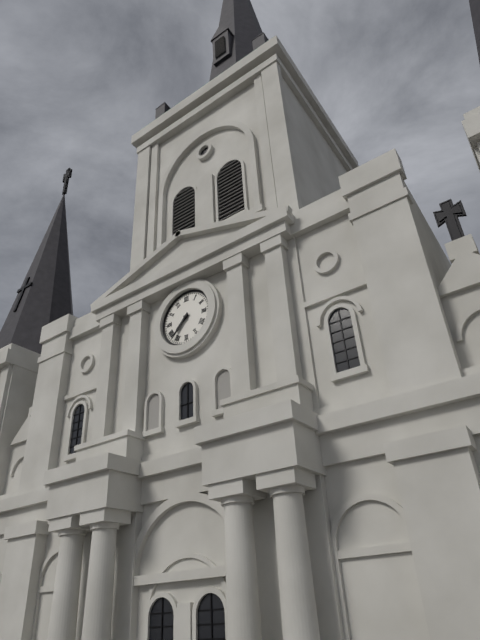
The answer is 7:37
